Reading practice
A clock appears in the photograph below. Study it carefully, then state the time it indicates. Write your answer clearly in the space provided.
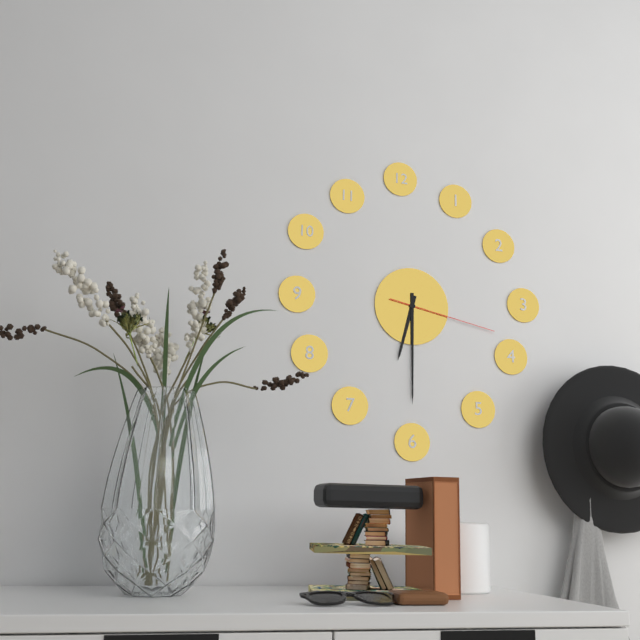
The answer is 6:30:17
